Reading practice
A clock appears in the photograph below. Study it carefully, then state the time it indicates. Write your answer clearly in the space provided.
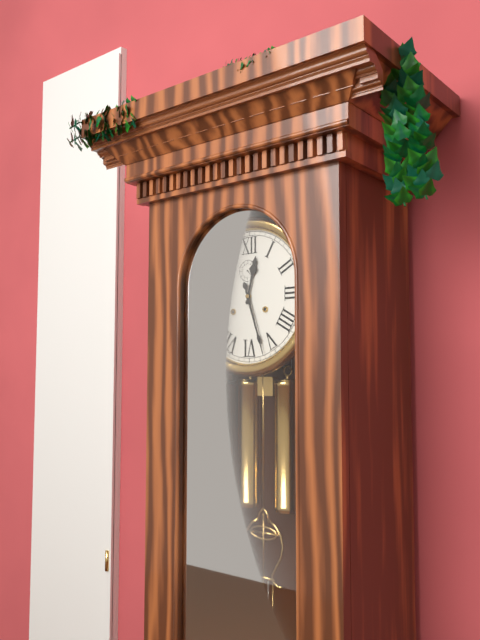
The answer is 12:27
